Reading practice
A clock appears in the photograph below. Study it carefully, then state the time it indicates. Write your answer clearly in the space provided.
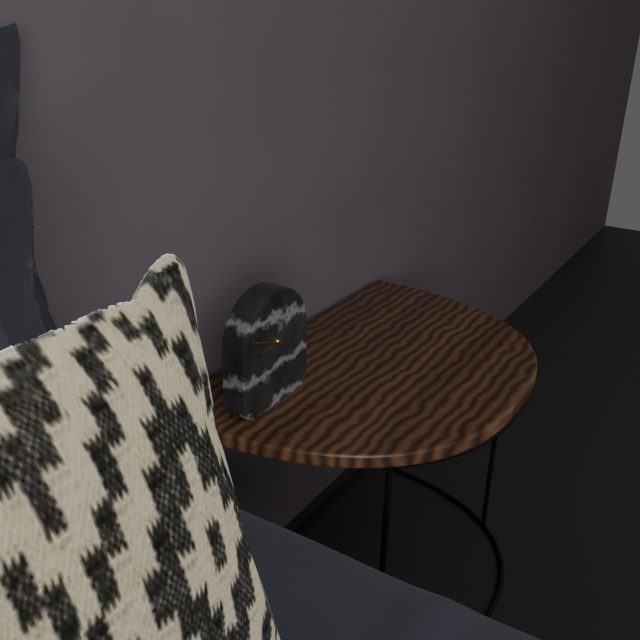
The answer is 8:48
